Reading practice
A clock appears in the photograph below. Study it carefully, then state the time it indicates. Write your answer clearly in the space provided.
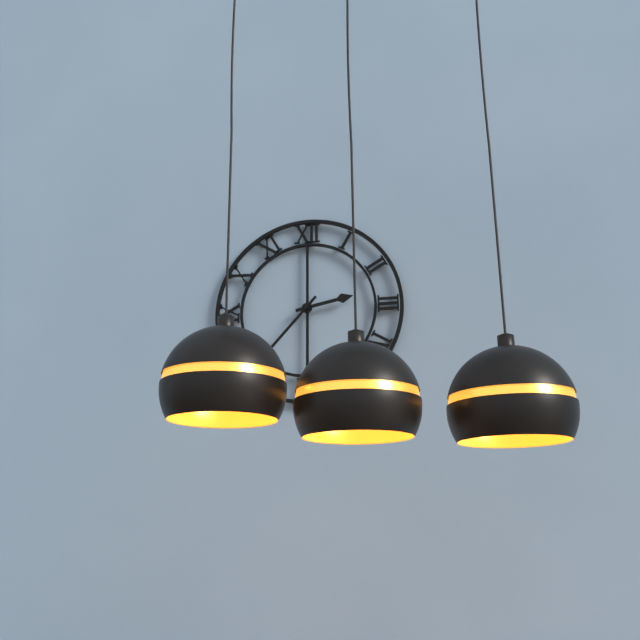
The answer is 2:37
